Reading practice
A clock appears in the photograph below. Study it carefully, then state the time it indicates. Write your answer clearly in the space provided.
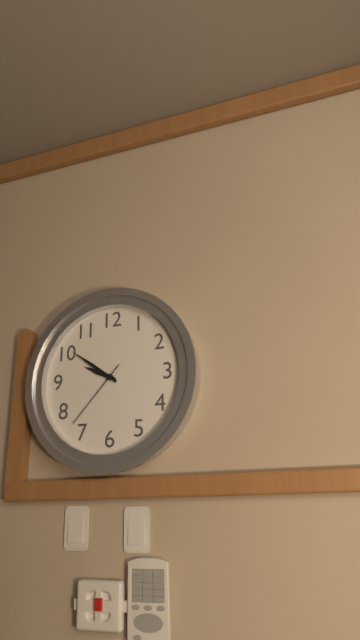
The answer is 9:51:37
